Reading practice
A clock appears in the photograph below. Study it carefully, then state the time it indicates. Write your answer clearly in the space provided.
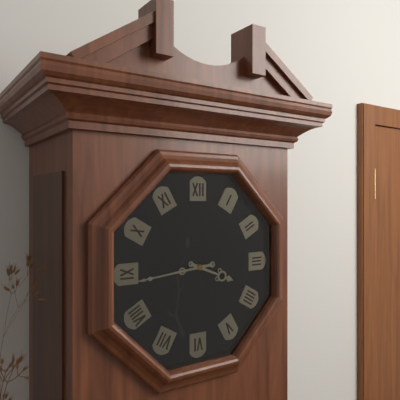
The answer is 3:44
